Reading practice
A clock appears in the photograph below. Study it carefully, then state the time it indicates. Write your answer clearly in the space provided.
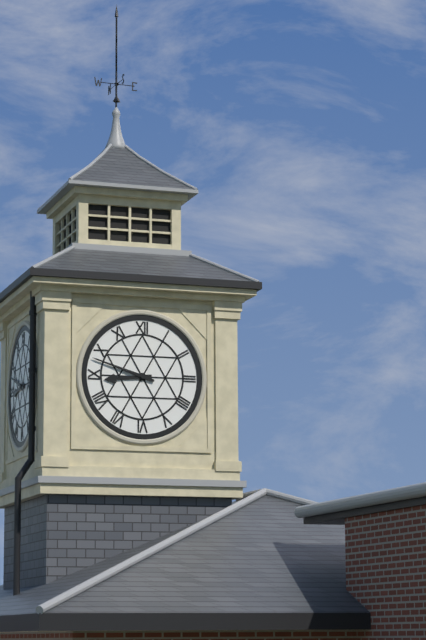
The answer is 8:48
